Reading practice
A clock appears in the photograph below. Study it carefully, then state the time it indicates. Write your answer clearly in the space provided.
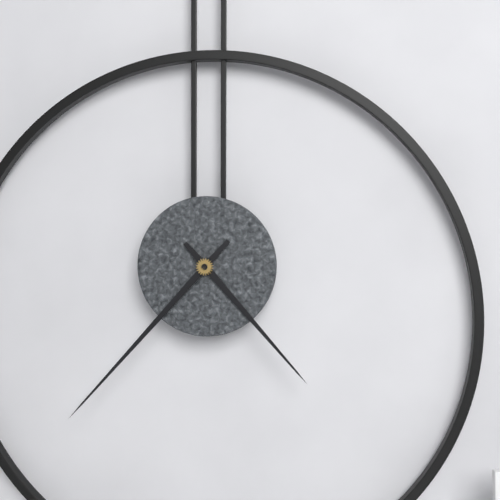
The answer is 4:37
